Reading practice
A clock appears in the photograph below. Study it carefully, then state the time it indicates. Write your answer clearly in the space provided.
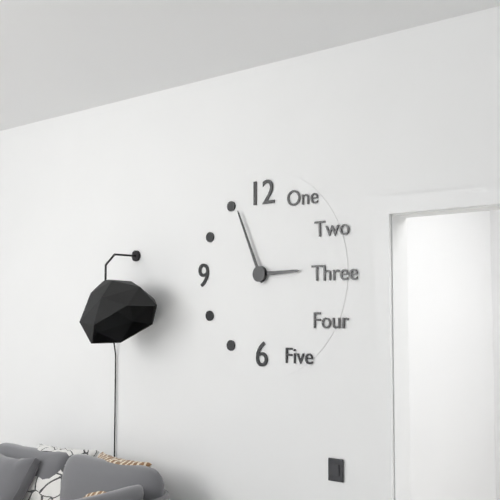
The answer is 2:56
